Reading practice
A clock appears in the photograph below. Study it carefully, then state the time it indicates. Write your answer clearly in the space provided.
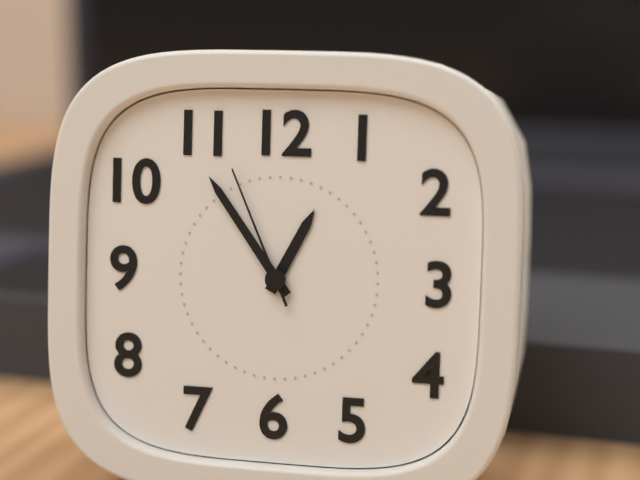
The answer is 12:54:56
